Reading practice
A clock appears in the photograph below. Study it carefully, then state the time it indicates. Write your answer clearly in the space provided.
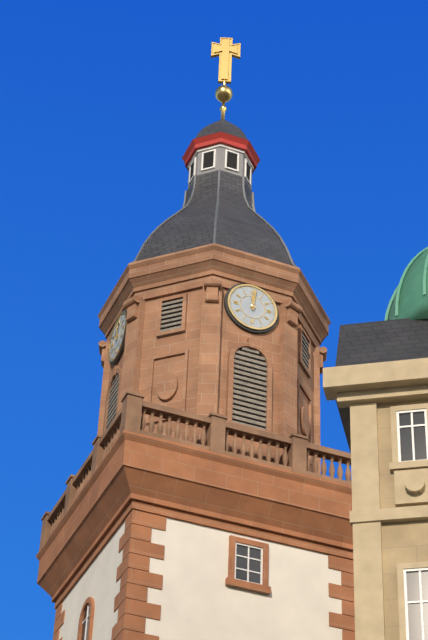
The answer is 12:01
